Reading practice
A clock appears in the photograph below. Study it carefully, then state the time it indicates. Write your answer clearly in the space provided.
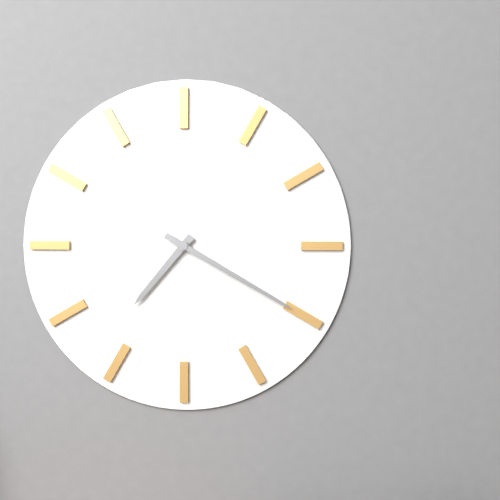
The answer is 7:20
